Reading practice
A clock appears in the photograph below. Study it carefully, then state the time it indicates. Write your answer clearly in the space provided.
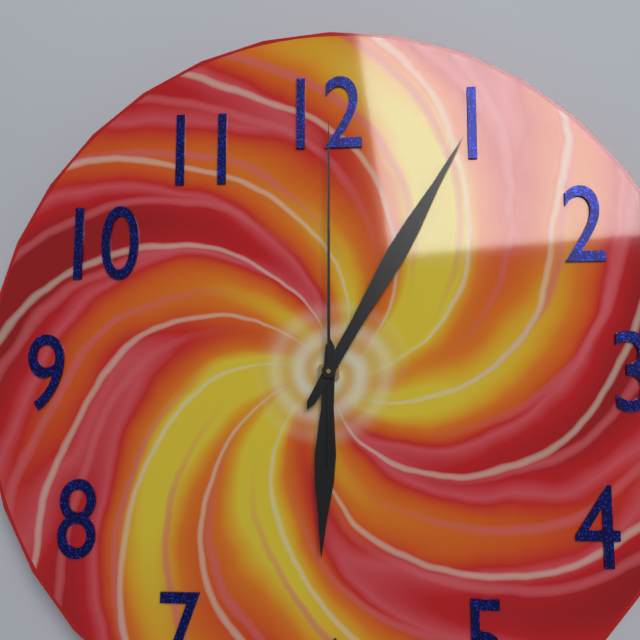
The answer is 6:05:00
